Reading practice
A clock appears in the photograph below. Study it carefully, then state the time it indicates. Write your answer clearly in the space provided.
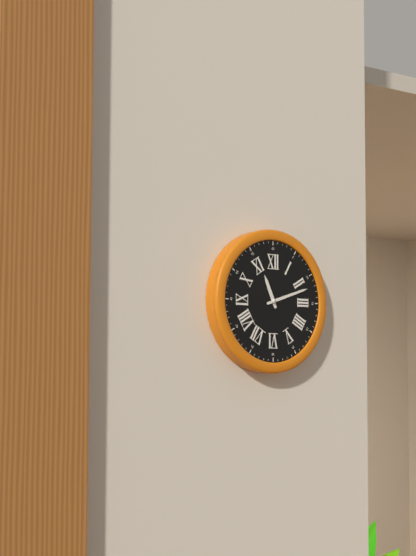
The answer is 11:12
